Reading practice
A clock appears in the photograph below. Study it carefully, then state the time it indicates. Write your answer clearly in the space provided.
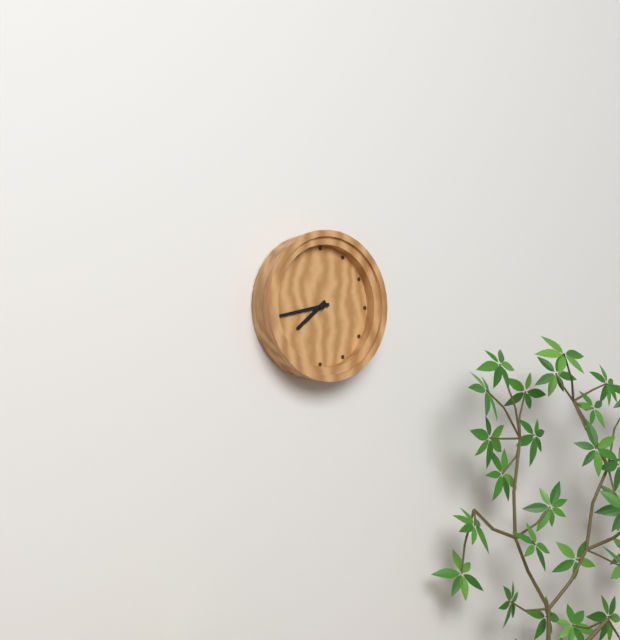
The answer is 7:43
